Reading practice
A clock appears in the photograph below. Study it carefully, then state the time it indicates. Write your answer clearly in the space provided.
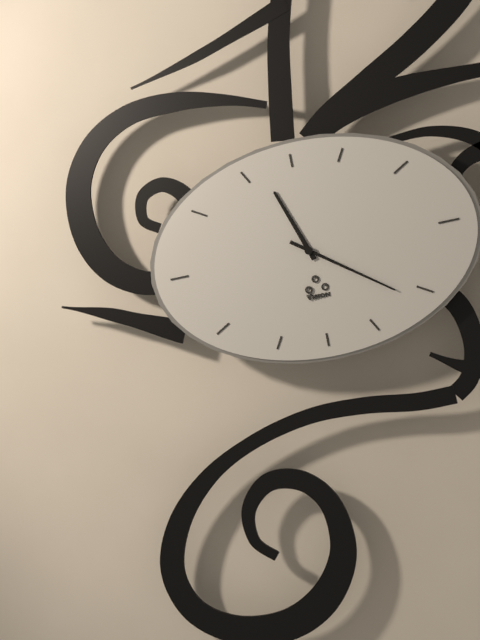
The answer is 11:21
